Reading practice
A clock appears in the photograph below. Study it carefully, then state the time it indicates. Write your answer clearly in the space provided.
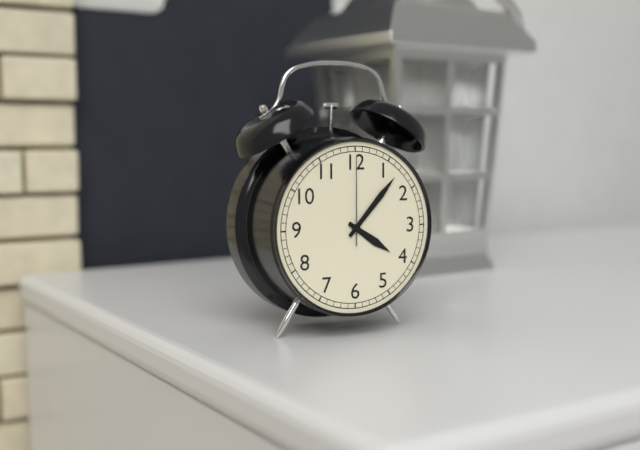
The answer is 4:07:00
